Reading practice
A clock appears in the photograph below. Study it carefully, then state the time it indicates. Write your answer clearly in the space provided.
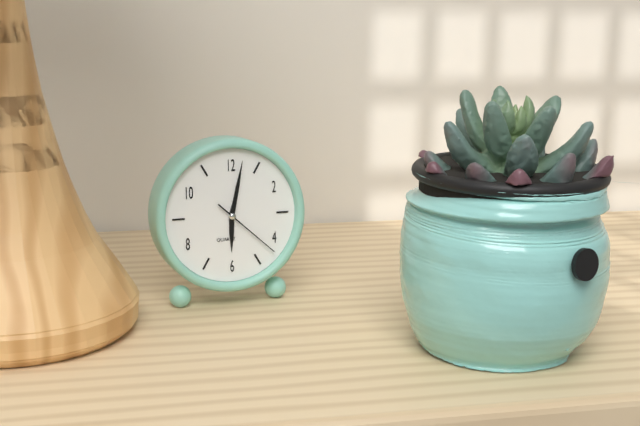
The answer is 6:02:22
